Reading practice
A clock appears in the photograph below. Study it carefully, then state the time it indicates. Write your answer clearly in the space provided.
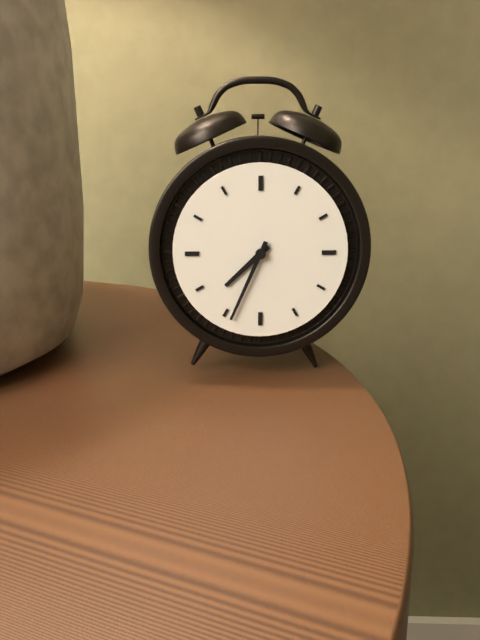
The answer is 7:34
